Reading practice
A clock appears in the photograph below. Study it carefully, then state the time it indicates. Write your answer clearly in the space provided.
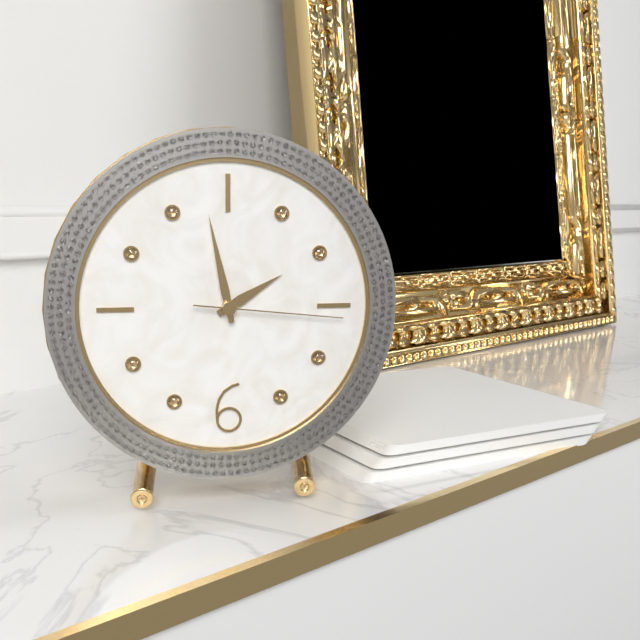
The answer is 1:58:16
